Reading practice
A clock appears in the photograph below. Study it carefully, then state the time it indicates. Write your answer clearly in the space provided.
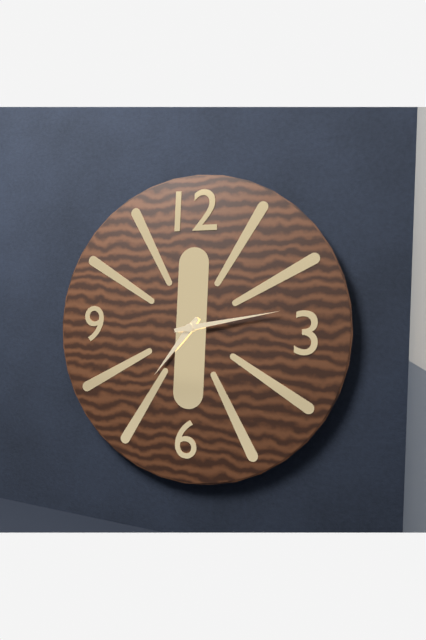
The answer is 7:13
